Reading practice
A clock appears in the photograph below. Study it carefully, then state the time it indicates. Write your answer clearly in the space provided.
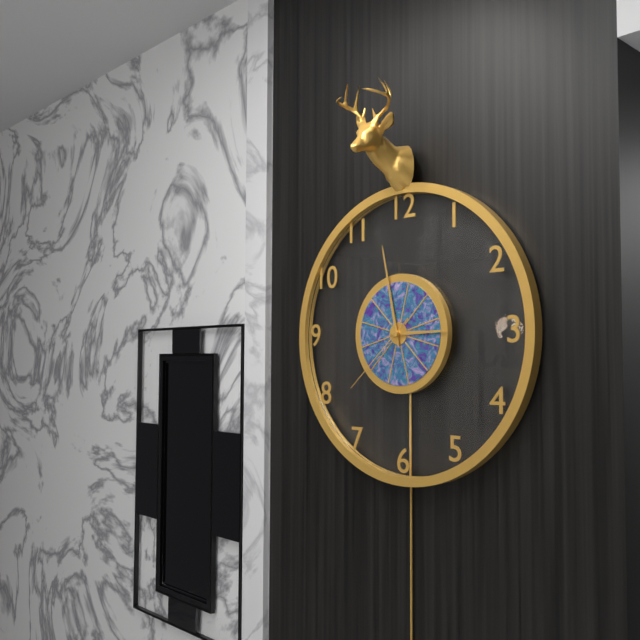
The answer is 2:58:38
